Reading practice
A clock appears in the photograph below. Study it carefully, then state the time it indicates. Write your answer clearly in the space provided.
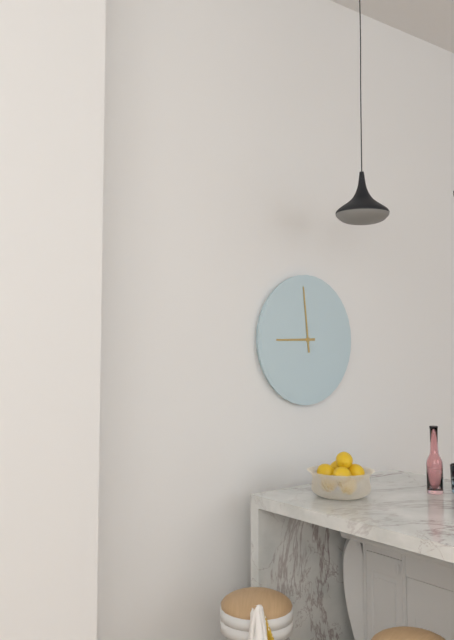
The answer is 8:59
